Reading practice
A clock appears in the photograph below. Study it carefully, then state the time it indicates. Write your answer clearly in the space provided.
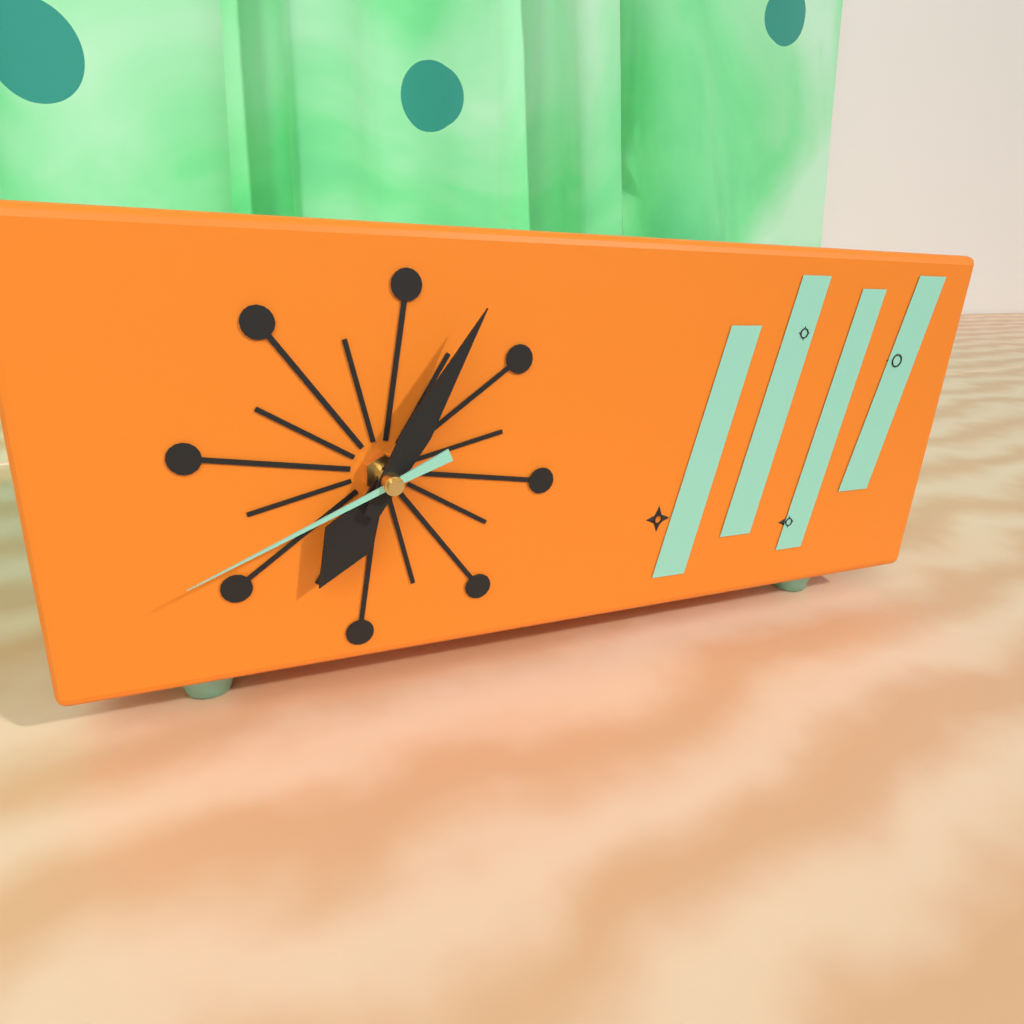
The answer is 7:05:41
